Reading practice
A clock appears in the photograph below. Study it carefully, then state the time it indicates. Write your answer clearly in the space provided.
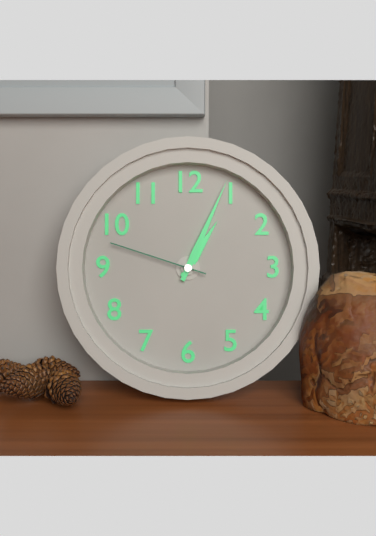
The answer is 1:04:48
